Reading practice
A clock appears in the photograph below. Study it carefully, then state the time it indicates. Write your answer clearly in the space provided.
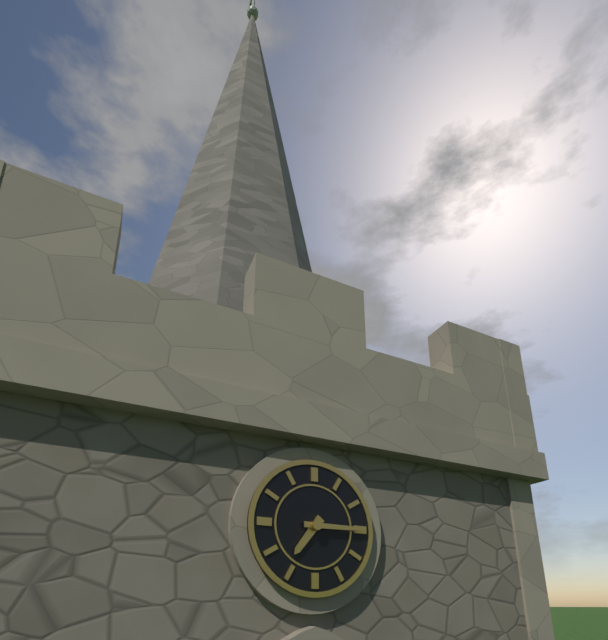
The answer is 7:15
